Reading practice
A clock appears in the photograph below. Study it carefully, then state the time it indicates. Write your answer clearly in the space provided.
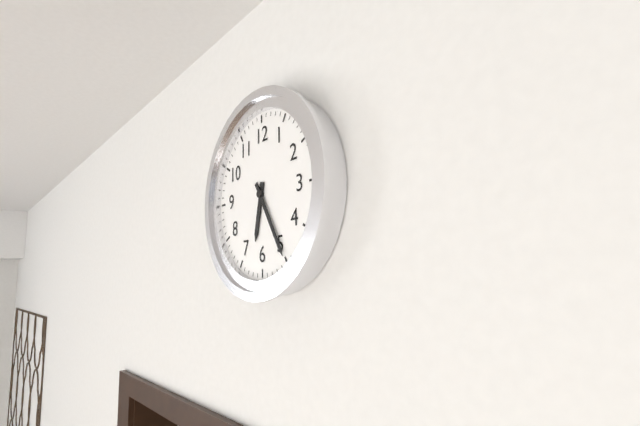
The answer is 6:25
